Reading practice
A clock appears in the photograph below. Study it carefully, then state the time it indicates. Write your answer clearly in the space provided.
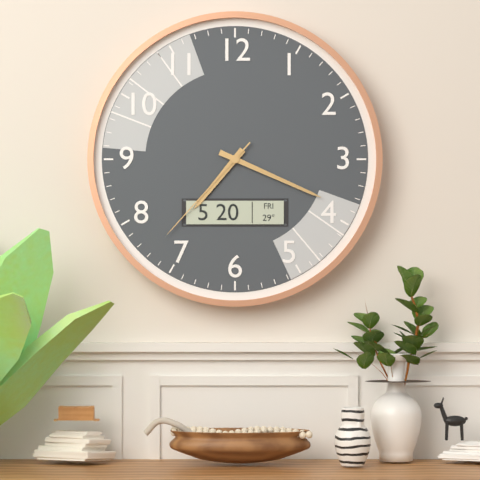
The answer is 7:19:37
